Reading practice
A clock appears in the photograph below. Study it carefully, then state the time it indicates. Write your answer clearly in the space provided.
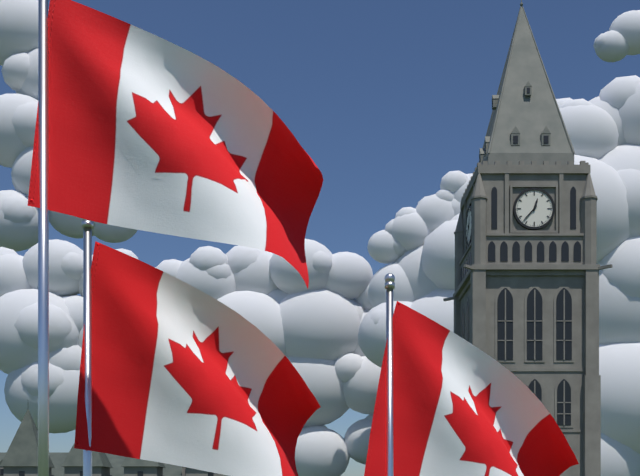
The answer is 12:37
